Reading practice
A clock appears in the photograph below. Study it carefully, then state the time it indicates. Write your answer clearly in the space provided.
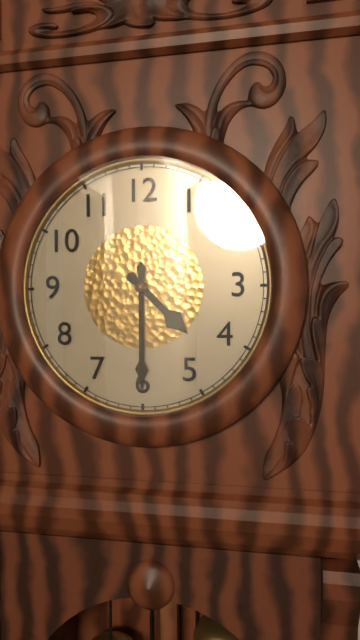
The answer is 4:30
